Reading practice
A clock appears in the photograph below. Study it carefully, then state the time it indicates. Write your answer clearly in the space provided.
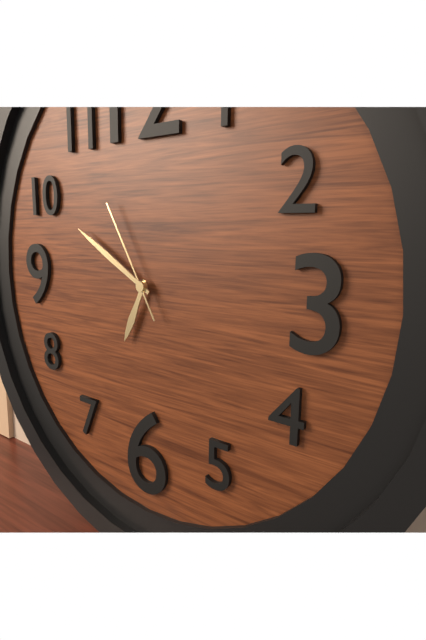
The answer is 6:50:55
